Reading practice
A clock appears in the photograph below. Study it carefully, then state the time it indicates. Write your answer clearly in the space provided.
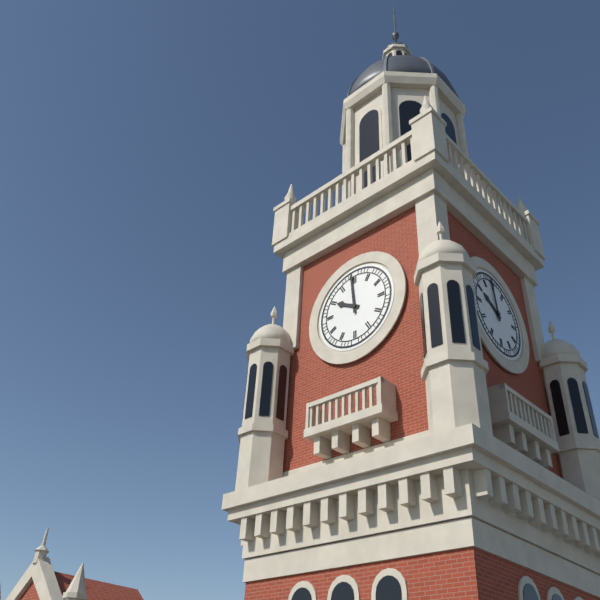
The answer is 9:59
